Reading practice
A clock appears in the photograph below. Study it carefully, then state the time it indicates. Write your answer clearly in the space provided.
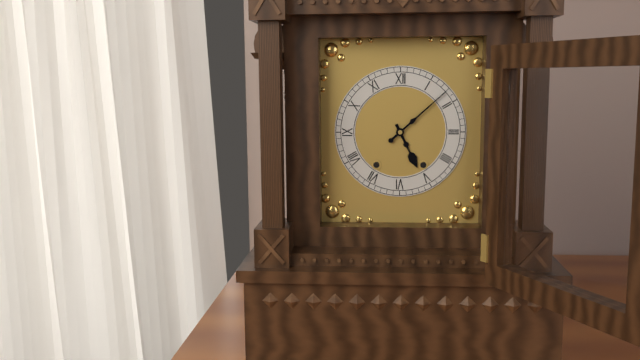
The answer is 5:08
